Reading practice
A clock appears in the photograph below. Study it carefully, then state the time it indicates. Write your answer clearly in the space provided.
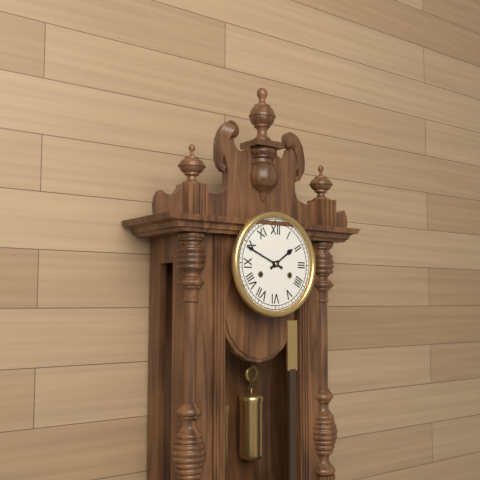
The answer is 1:49
